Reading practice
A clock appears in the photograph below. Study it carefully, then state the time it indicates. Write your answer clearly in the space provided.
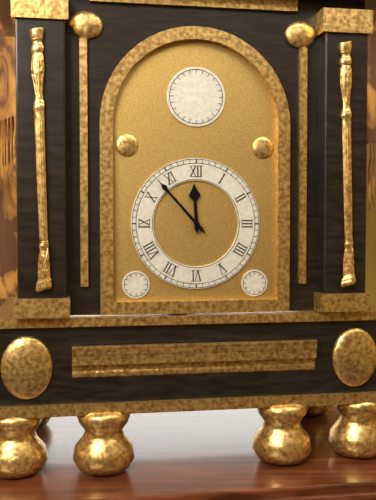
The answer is 11:53
